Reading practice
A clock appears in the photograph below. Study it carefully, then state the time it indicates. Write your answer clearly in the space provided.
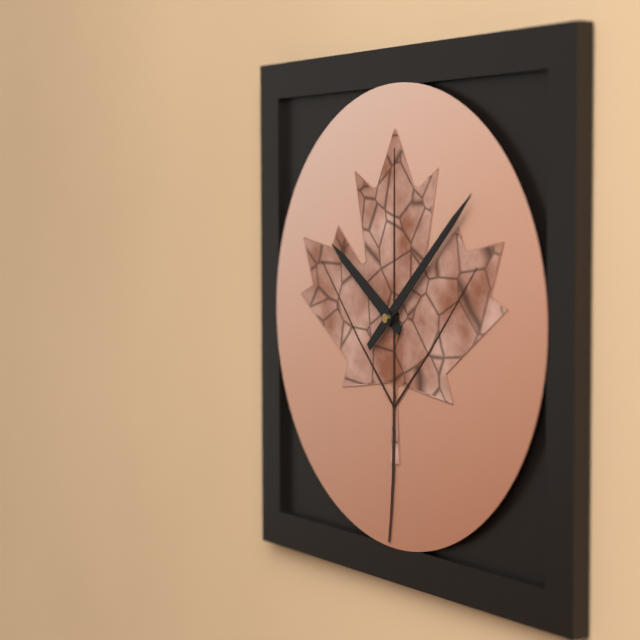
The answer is 10:08
